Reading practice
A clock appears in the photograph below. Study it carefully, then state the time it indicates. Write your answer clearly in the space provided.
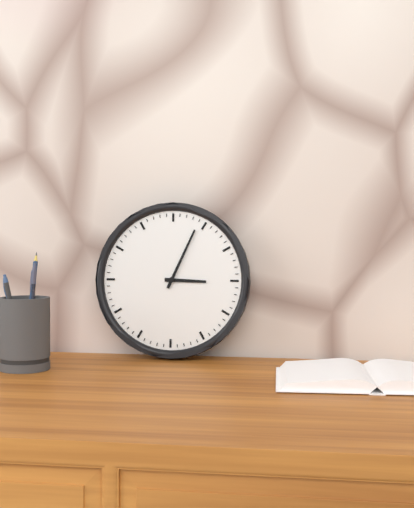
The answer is 3:04
